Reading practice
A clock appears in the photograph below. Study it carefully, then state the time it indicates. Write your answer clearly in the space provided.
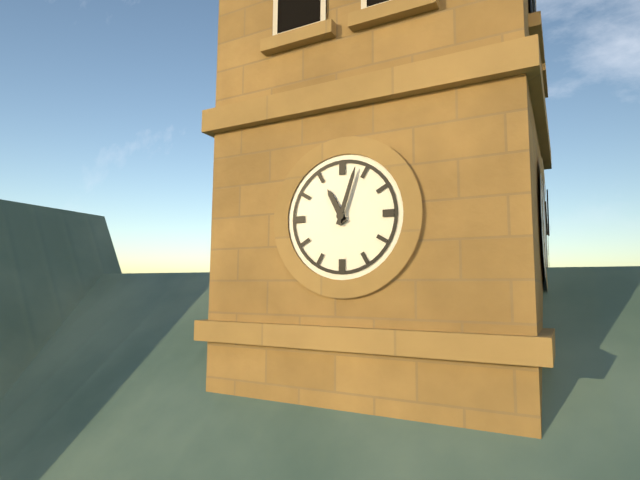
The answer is 11:03
